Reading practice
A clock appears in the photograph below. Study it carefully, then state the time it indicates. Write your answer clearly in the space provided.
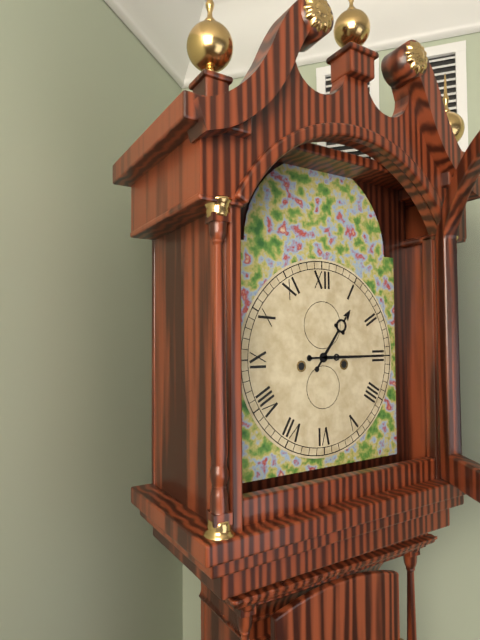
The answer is 1:15
